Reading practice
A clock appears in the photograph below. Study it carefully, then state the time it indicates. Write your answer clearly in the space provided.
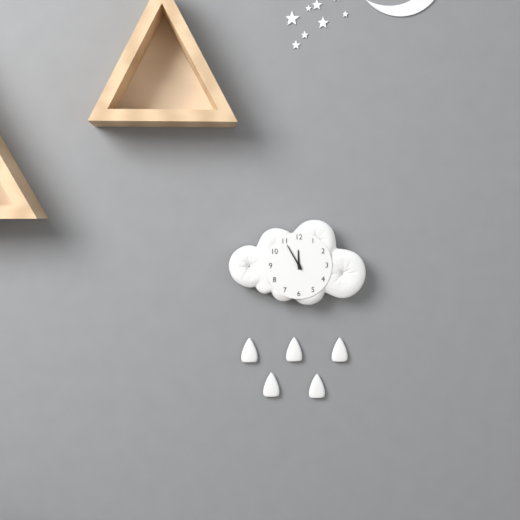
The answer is 11:55
